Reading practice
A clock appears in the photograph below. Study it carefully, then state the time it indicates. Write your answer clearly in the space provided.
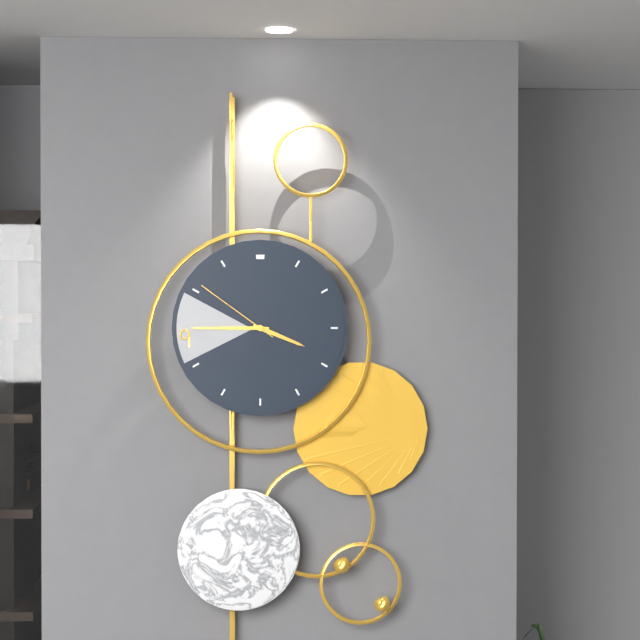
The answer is 3:45:51
